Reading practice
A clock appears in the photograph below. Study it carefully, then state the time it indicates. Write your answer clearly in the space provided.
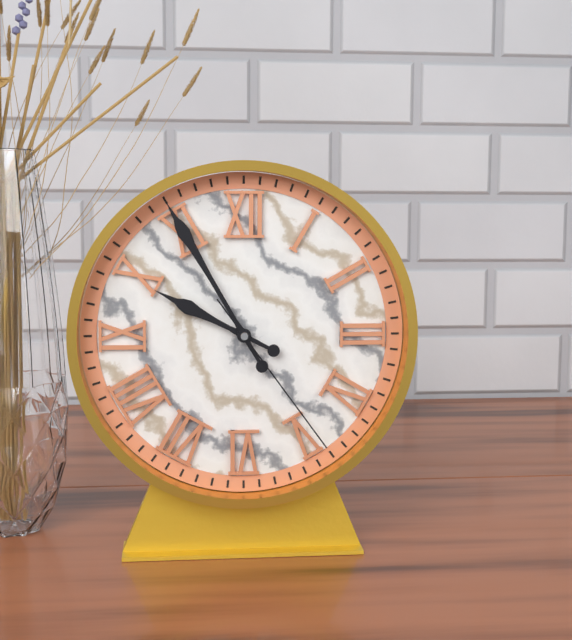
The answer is 9:55:24
